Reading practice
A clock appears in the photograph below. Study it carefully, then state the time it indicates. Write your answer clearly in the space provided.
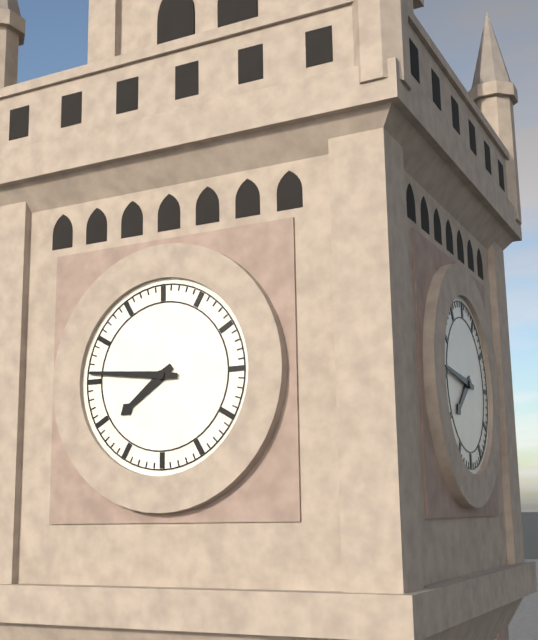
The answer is 7:46
